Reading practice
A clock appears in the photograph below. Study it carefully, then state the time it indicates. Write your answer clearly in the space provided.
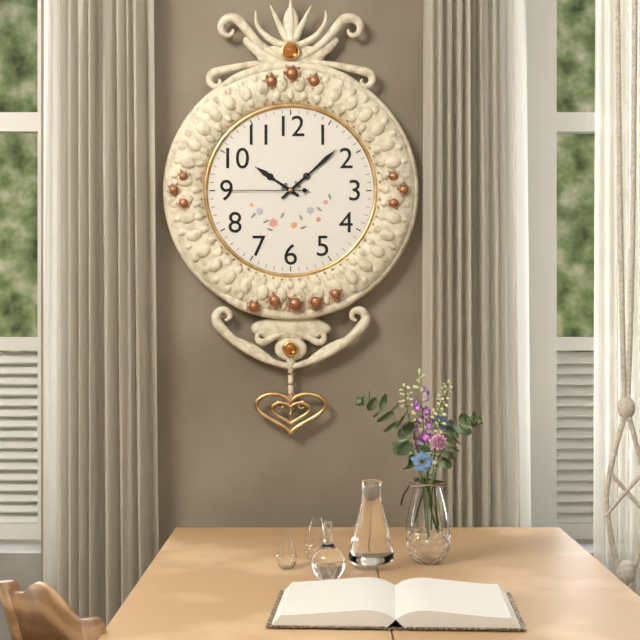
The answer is 10:08:45
